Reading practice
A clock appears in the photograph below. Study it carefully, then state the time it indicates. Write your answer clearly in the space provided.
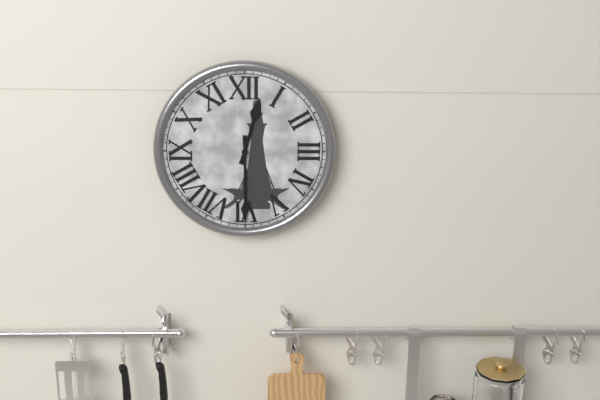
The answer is 12:30
